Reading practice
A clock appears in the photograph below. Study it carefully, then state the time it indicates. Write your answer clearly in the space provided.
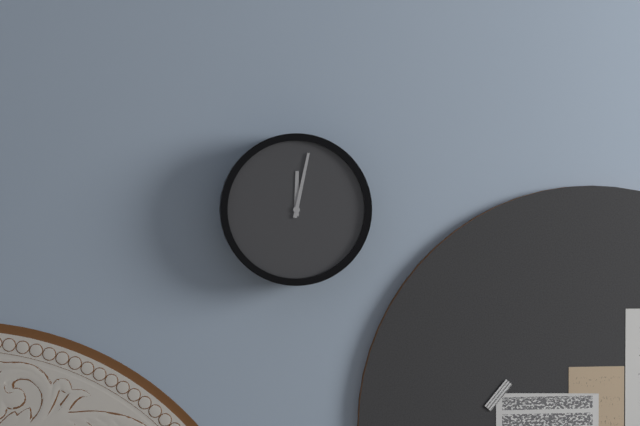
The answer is 12:02
